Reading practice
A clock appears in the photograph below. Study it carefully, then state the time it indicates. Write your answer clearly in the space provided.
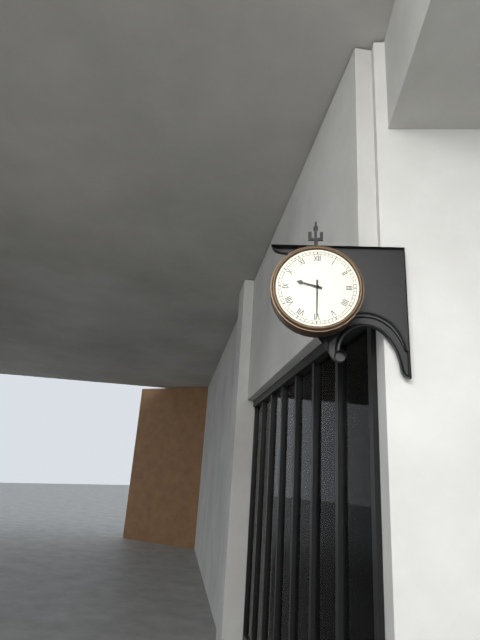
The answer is 9:30
